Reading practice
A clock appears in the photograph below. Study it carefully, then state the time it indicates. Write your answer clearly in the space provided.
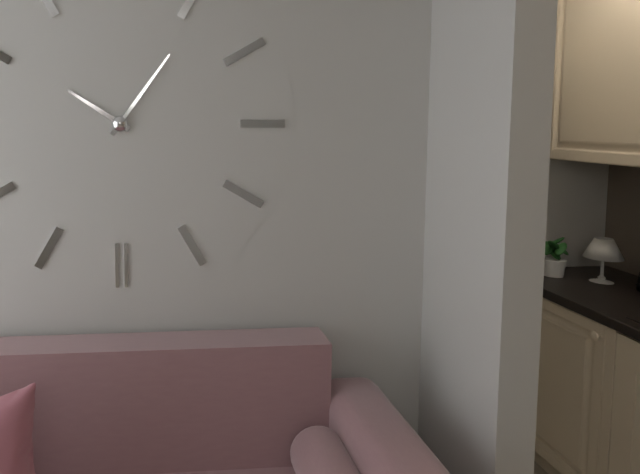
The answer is 10:06
